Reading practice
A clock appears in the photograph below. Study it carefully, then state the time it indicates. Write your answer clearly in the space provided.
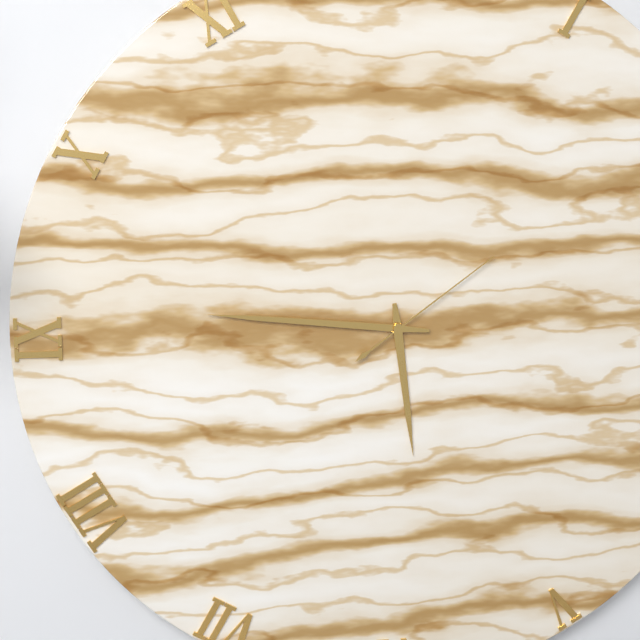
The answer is 5:46:09
